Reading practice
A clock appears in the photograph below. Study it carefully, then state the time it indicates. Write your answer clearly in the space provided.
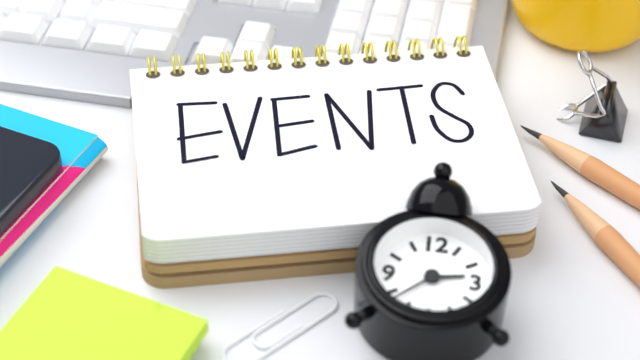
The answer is 2:38
